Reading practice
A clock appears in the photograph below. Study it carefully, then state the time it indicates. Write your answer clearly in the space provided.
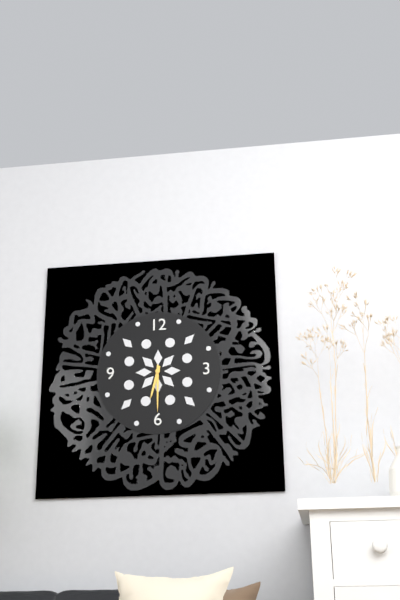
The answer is 6:30
